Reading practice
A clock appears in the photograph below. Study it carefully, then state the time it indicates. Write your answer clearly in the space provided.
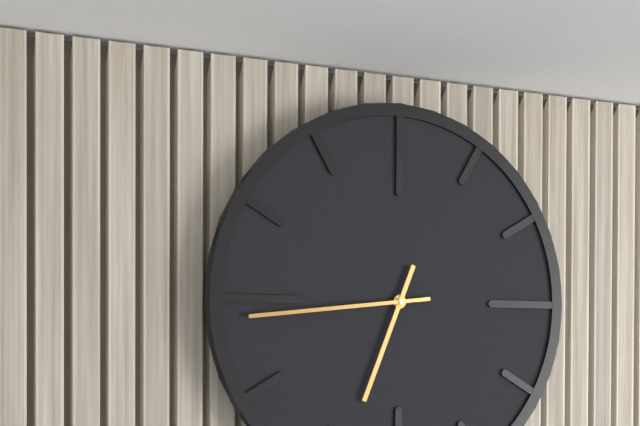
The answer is 6:44
